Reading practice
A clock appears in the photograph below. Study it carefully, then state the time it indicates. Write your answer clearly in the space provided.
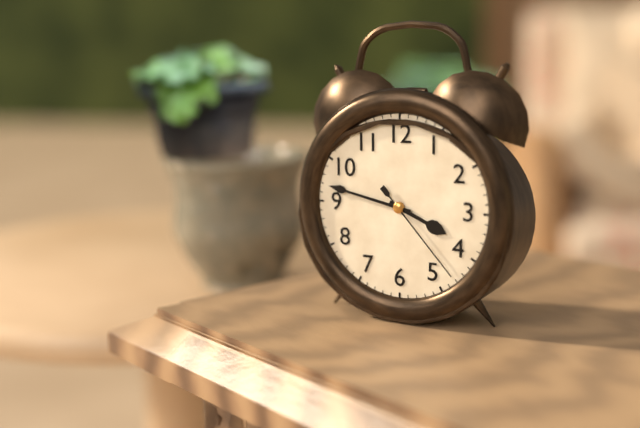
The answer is 3:47:23
